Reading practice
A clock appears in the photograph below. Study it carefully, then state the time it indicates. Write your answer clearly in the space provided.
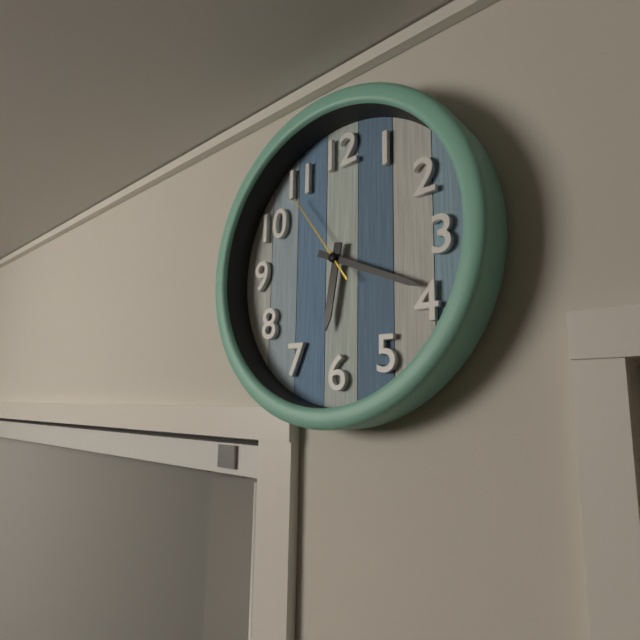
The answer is 6:19:54
